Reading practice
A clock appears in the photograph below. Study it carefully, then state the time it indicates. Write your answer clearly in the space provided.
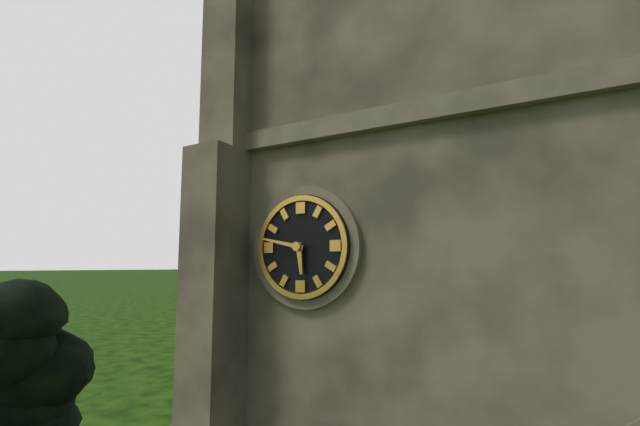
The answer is 5:47
